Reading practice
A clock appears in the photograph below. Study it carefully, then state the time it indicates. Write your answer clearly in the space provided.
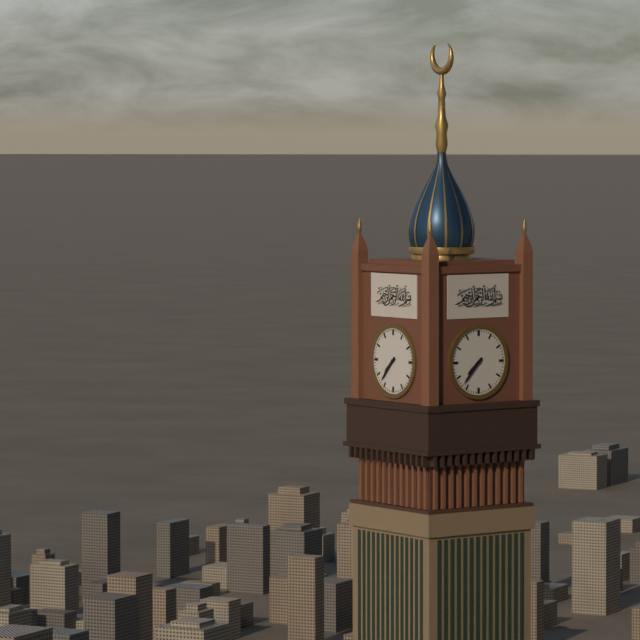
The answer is 7:37
